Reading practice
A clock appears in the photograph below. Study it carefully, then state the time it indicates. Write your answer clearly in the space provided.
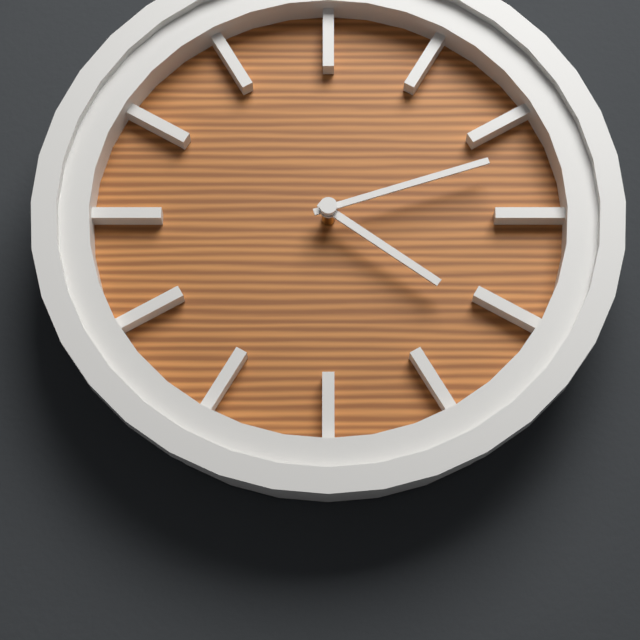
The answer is 4:12
